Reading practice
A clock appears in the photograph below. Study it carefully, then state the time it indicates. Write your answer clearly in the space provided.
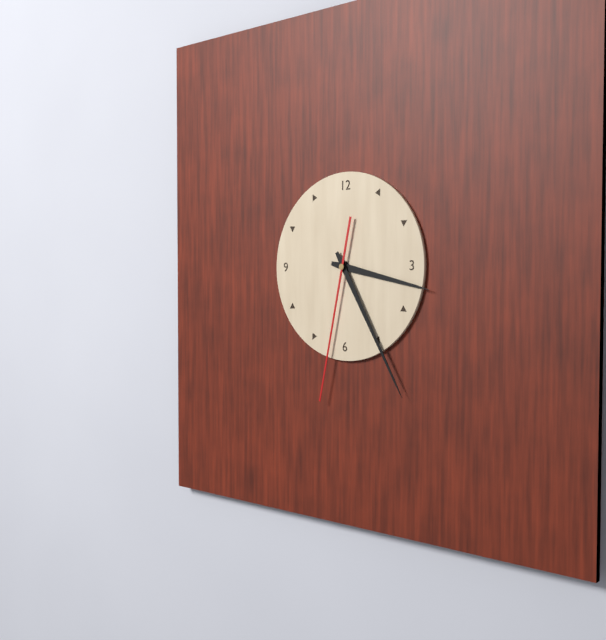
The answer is 3:25:32
